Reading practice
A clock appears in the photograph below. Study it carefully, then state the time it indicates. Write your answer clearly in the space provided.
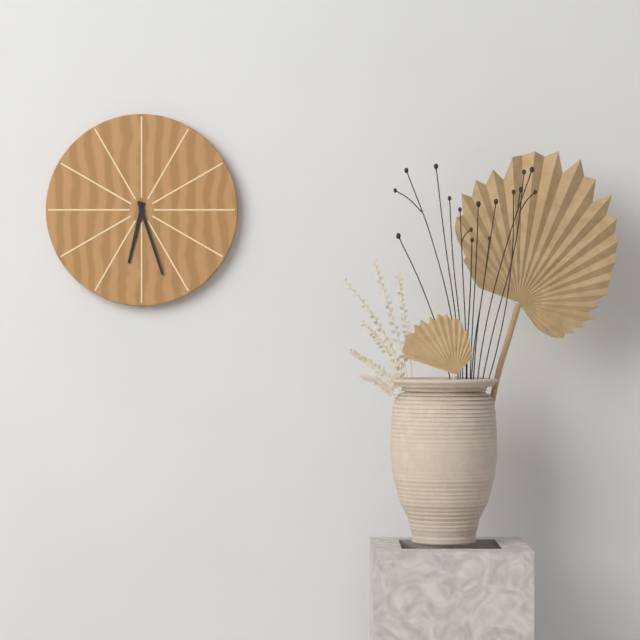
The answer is 6:27
